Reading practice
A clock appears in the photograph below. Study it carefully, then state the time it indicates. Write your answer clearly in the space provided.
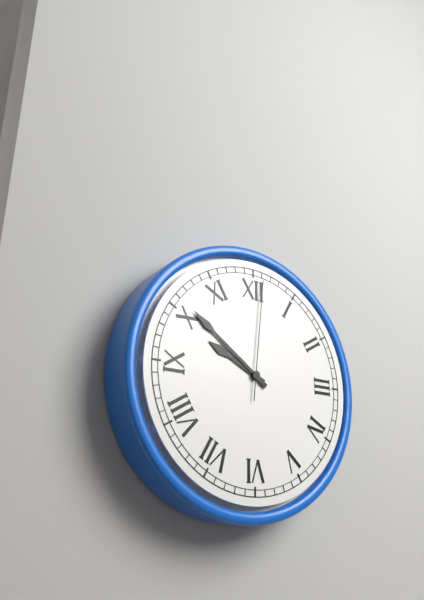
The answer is 9:51:01
